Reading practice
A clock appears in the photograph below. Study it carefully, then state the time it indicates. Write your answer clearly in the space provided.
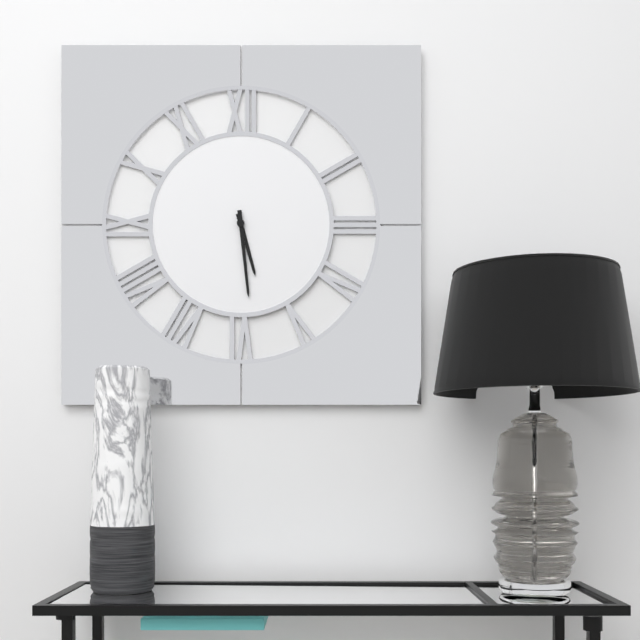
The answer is 5:29
